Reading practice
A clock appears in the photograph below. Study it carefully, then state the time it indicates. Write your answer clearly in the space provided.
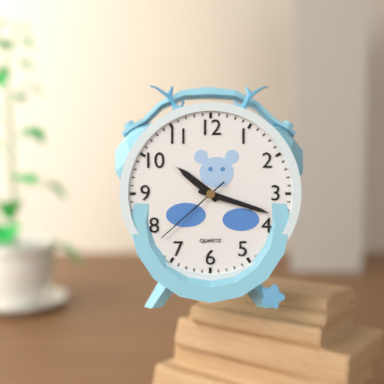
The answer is 10:18:38
